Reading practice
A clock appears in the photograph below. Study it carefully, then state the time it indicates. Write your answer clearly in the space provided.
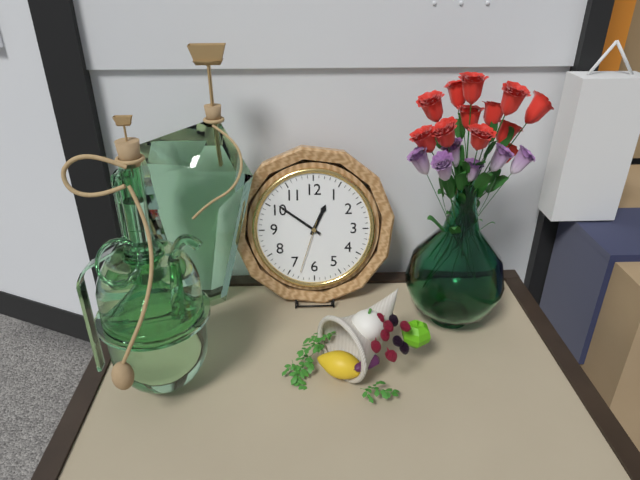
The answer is 12:51:33
